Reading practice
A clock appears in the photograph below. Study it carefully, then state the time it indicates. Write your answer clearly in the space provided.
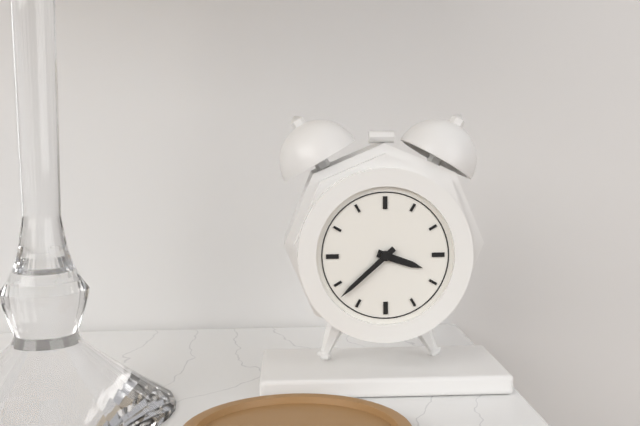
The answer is 3:38
